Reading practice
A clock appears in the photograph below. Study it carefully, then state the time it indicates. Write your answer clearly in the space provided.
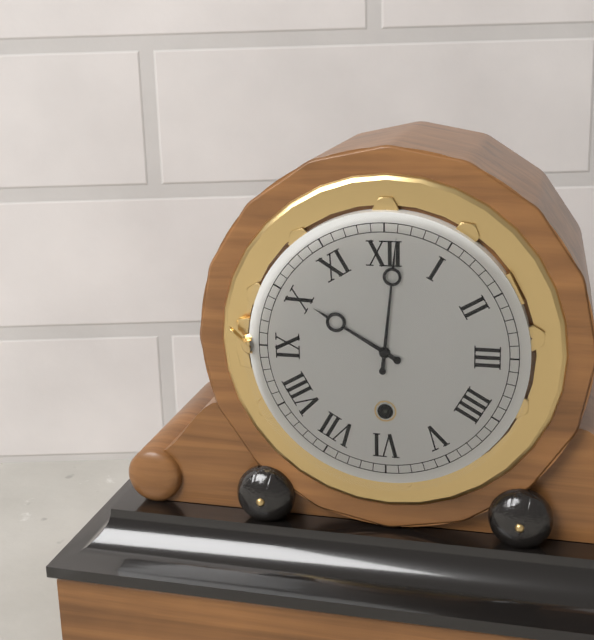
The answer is 10:01
